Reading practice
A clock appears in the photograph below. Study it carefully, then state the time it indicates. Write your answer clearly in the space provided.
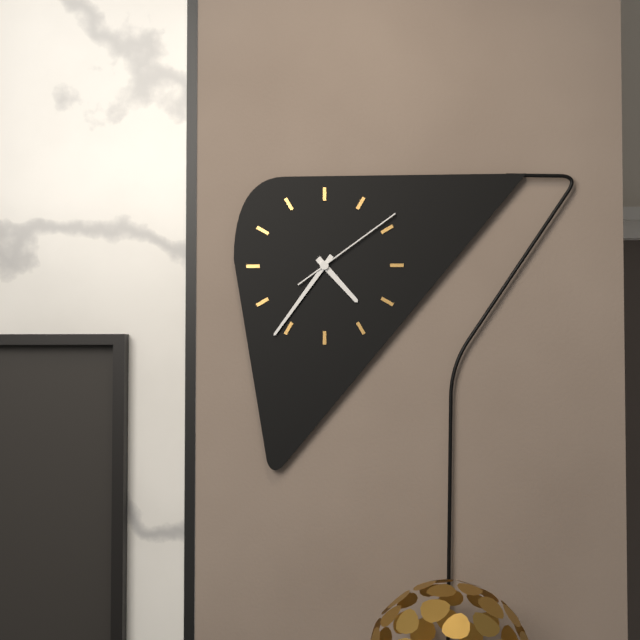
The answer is 4:36:09
